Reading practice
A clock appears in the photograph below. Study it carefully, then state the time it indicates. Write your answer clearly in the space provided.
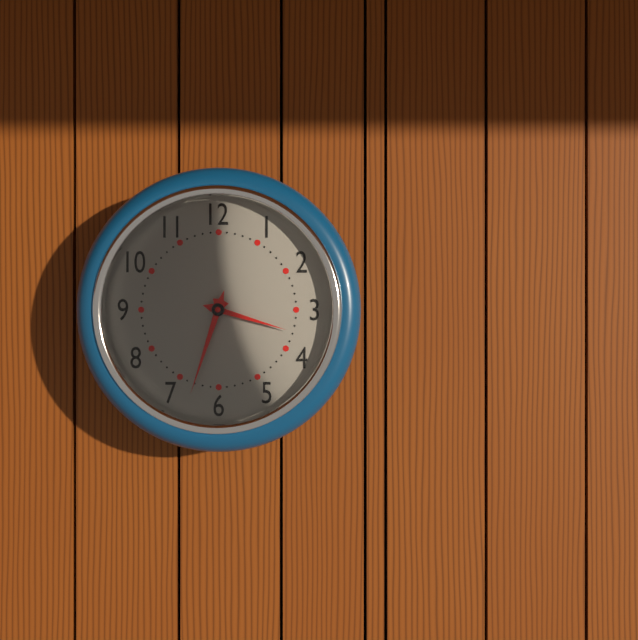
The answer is 3:33
